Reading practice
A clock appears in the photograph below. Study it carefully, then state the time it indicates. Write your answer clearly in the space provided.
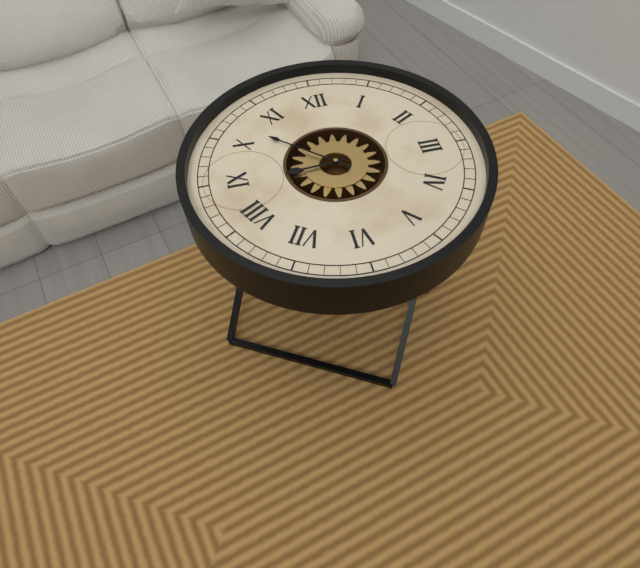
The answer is 8:52
